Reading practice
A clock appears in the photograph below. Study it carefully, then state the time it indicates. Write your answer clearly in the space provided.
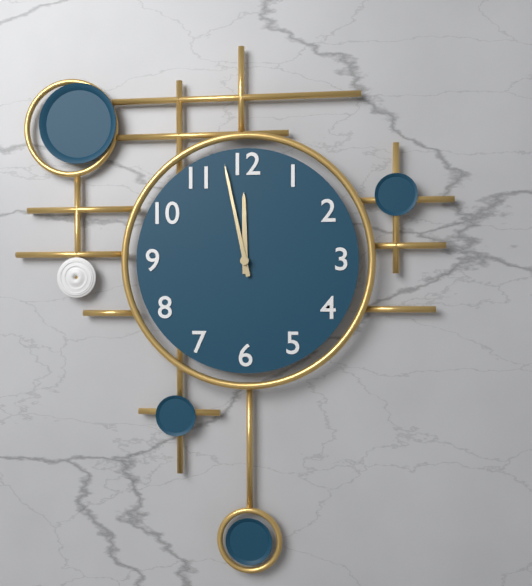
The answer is 11:58
